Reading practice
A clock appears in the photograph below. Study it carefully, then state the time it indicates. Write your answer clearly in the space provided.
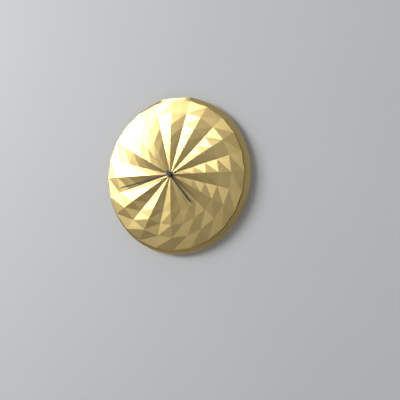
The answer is 4:43
